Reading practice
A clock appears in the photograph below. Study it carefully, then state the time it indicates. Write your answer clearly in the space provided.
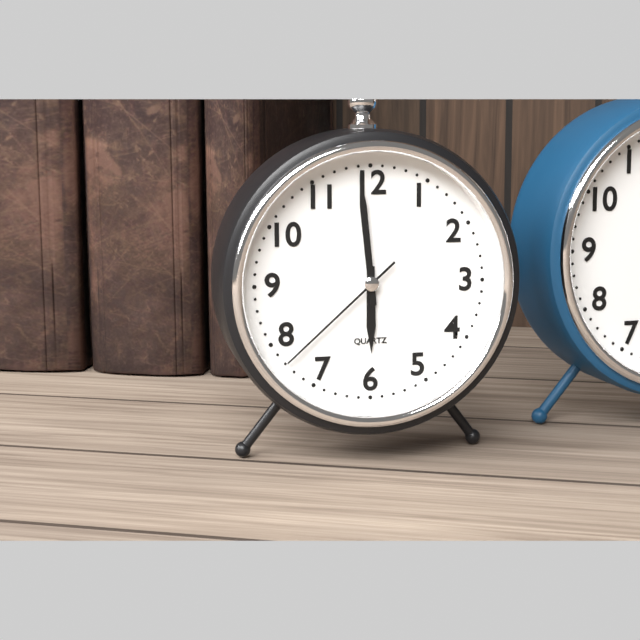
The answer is 5:59:38
